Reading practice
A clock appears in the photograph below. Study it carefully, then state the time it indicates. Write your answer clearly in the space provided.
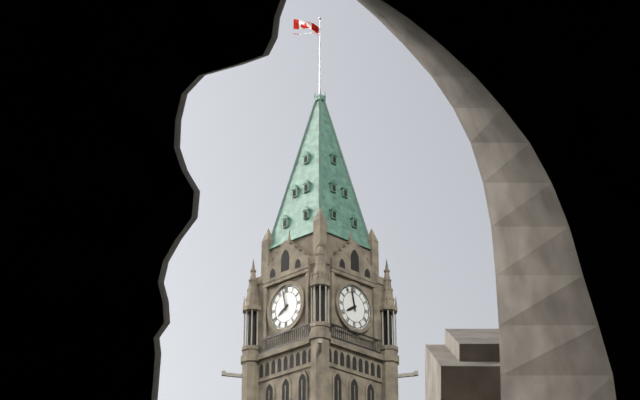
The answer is 7:58
